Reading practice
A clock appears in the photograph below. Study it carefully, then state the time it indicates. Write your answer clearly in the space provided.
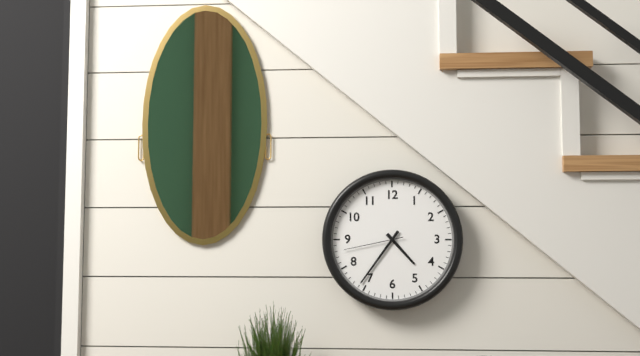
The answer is 4:36:43
